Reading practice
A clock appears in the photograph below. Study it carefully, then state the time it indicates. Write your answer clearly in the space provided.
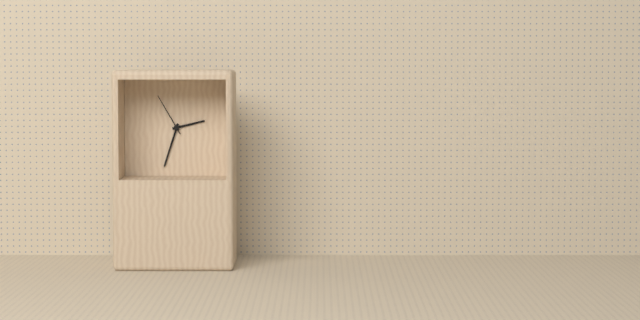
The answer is 2:33
